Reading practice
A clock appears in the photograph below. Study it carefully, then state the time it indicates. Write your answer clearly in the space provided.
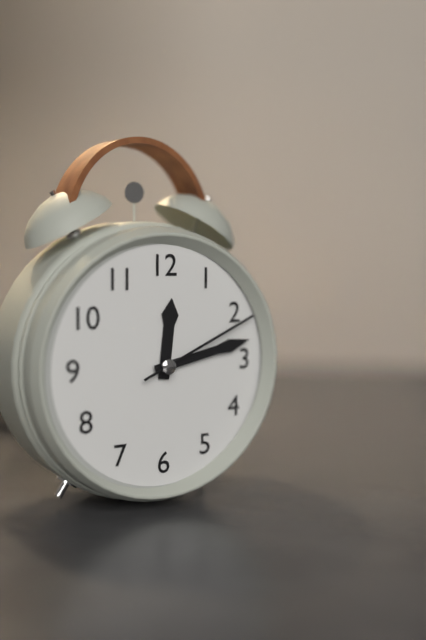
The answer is 12:13:11
